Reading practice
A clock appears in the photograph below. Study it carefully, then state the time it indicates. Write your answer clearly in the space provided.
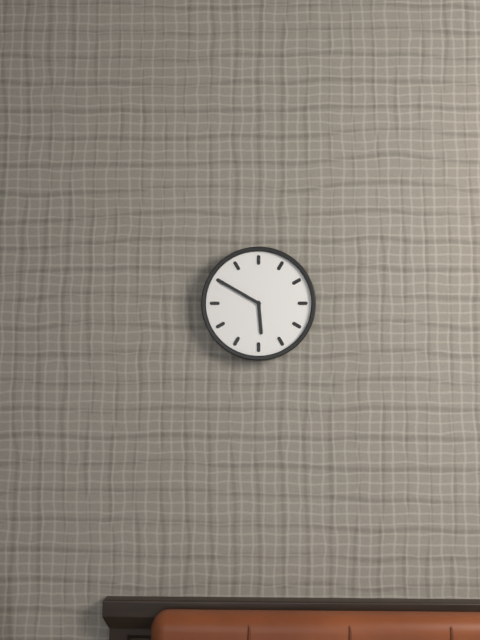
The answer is 5:50
